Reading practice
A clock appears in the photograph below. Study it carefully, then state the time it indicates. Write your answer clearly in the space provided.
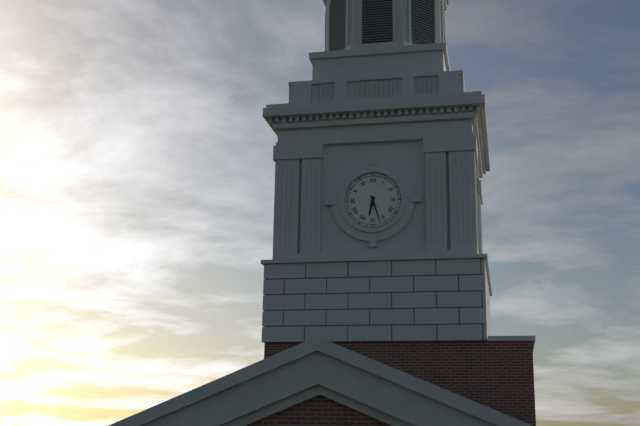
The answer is 6:27
